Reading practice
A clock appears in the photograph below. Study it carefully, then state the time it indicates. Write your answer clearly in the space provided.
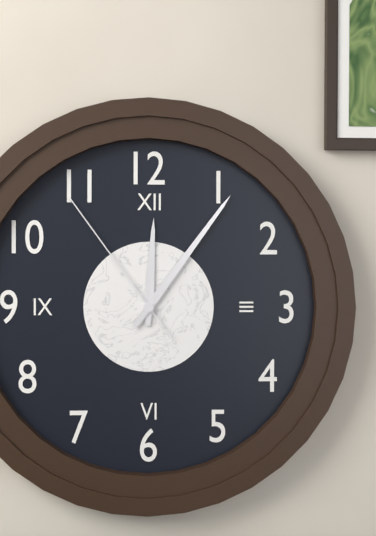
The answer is 12:06:54
